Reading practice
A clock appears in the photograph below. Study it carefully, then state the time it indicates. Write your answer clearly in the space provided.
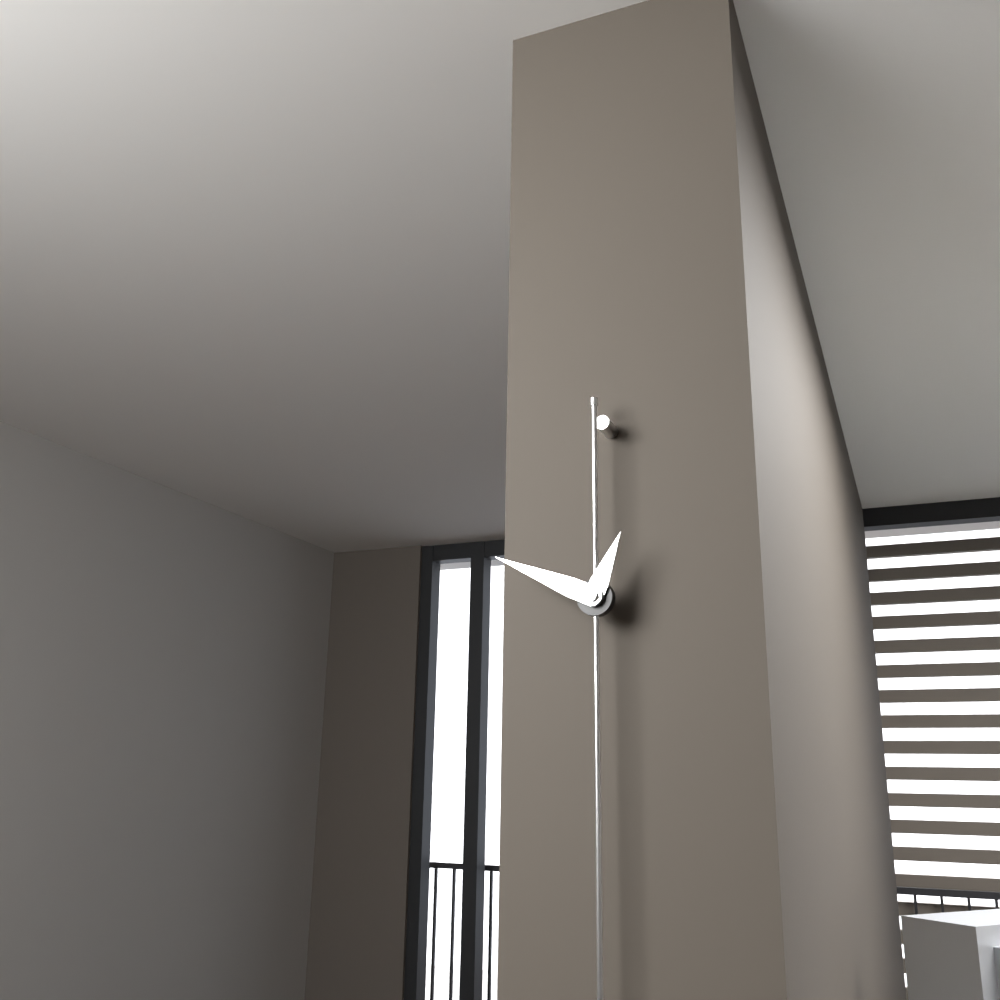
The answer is 12:49
